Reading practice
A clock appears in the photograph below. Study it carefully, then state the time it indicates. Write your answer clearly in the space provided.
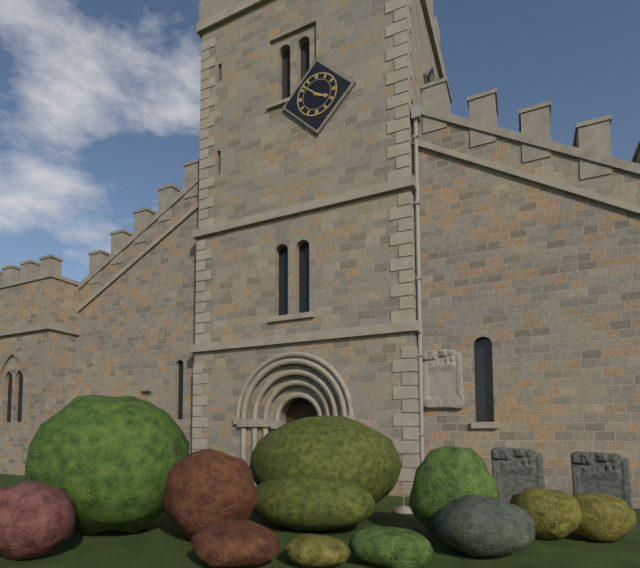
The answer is 3:52
